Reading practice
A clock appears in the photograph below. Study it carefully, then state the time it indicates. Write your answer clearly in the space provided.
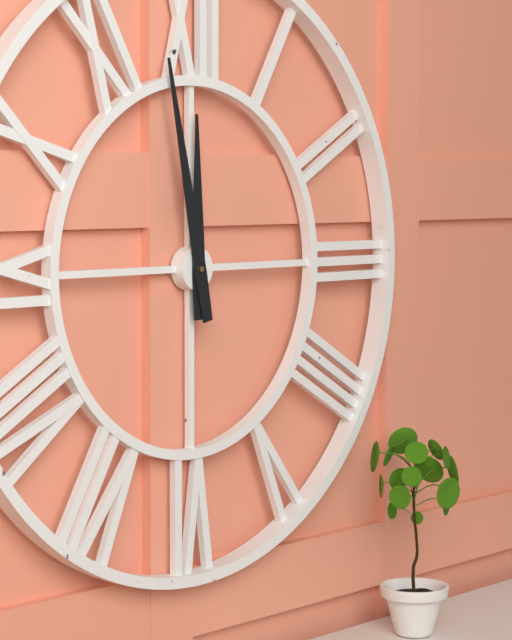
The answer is 11:58
